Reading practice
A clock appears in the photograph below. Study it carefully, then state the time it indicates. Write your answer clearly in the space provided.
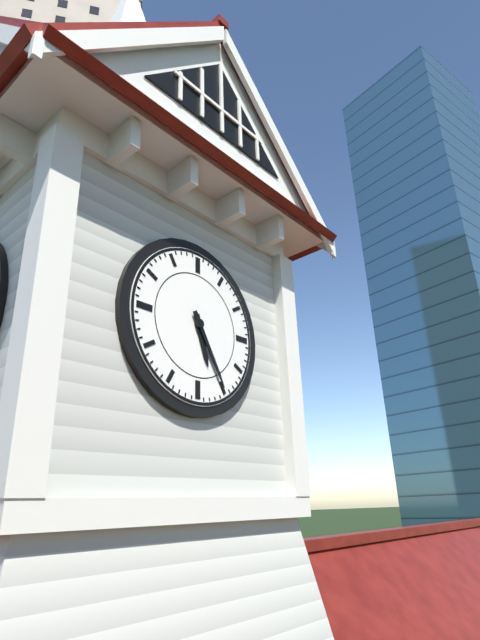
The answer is 5:25
